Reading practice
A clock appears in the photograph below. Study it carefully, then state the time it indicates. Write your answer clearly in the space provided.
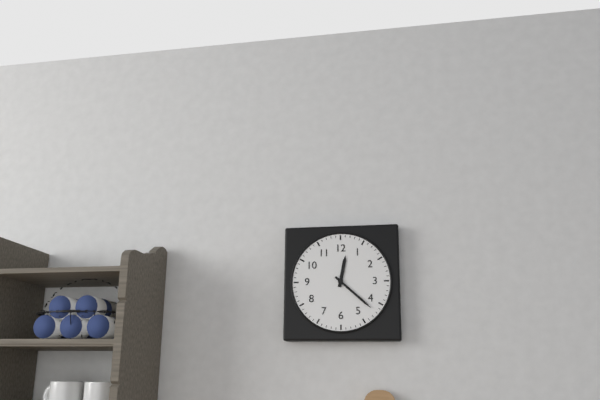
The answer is 12:22
